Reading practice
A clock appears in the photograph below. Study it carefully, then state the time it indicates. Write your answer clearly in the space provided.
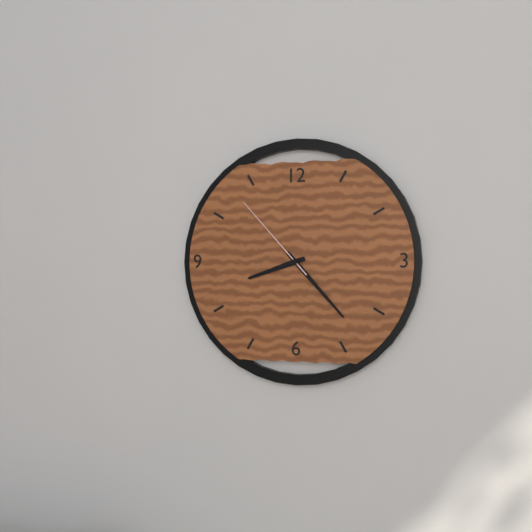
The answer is 8:23:53
